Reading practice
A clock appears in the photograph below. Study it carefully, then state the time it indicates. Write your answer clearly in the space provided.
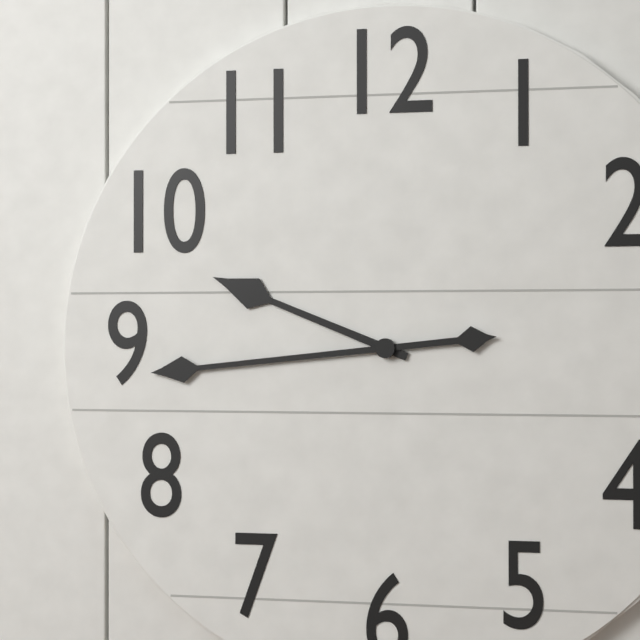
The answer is 9:44
